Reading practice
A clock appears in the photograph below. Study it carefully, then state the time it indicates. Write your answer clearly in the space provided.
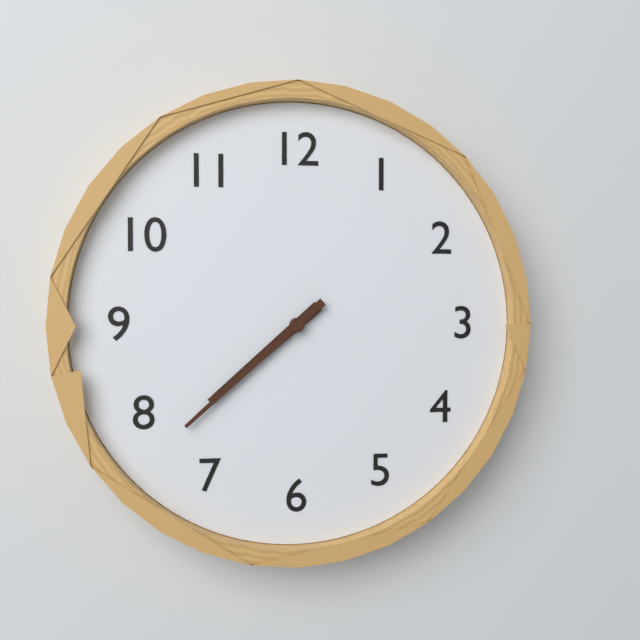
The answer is 7:38
